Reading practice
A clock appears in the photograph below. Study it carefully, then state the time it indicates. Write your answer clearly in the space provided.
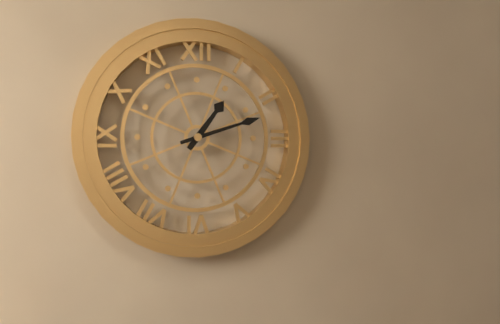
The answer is 1:12
